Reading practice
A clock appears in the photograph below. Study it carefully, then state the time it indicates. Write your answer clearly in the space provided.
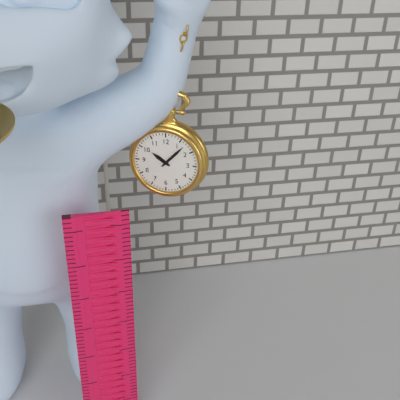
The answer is 10:07
